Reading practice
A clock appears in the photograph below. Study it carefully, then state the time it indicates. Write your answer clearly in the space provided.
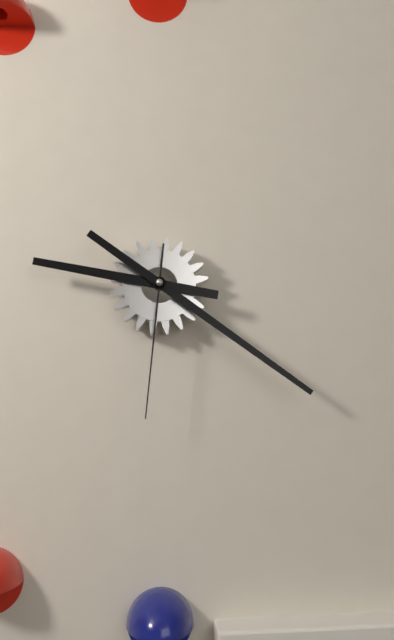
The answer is 9:21:31
